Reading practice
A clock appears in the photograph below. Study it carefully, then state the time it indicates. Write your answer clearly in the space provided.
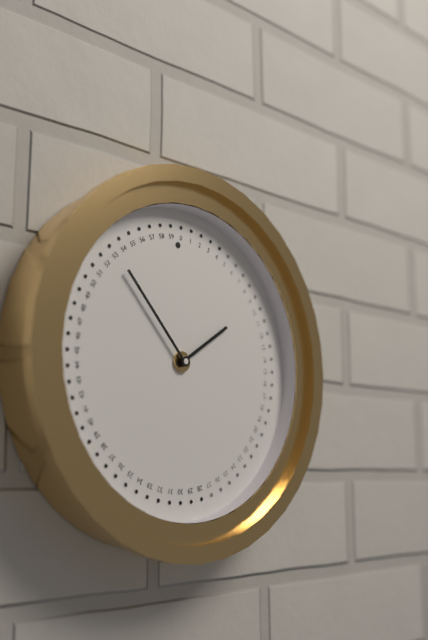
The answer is 1:53
